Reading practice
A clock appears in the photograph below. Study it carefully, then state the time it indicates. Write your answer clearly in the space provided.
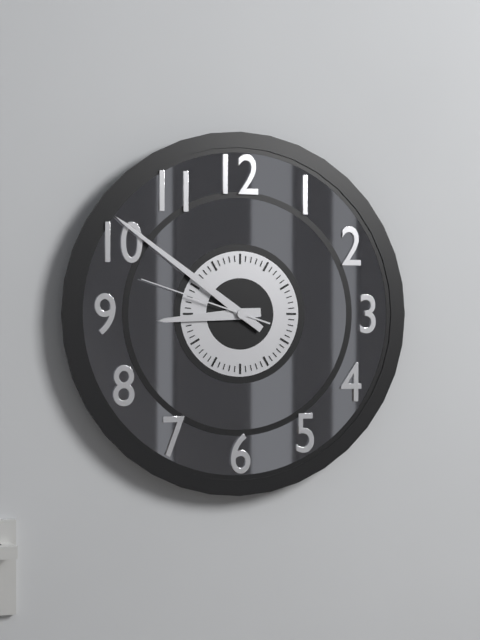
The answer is 8:51:48
